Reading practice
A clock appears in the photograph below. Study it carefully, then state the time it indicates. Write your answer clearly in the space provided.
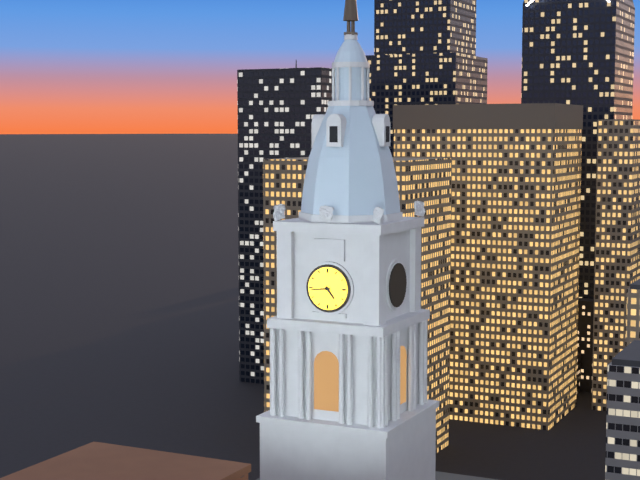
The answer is 4:44
